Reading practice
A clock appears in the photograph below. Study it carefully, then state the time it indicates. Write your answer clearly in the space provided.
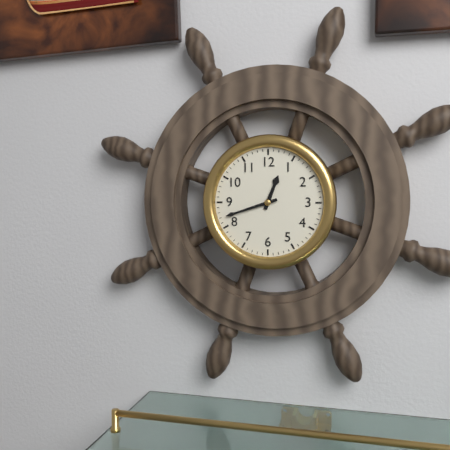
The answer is 12:42
